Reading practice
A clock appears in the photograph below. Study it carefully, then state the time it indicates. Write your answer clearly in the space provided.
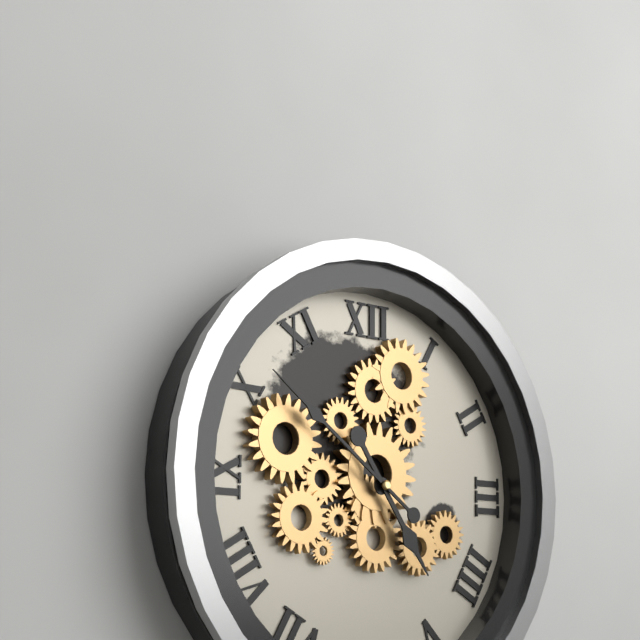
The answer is 4:51
